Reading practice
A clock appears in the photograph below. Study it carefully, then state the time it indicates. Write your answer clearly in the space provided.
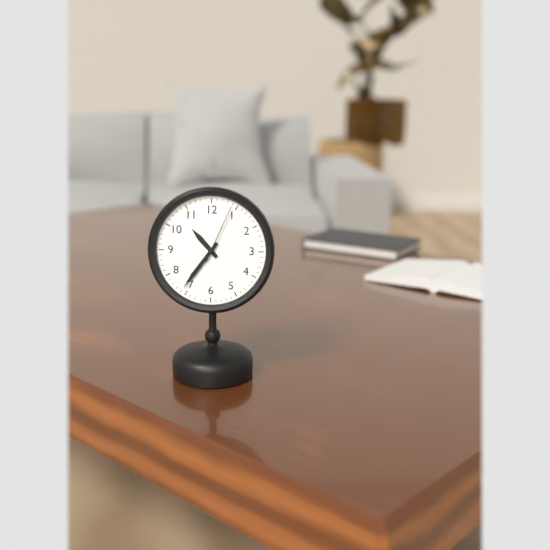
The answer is 10:36:04
